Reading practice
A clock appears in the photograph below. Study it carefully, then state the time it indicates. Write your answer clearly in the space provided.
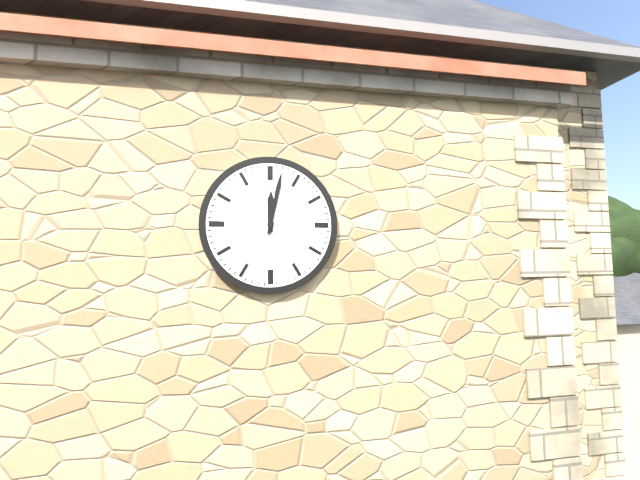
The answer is 12:02
